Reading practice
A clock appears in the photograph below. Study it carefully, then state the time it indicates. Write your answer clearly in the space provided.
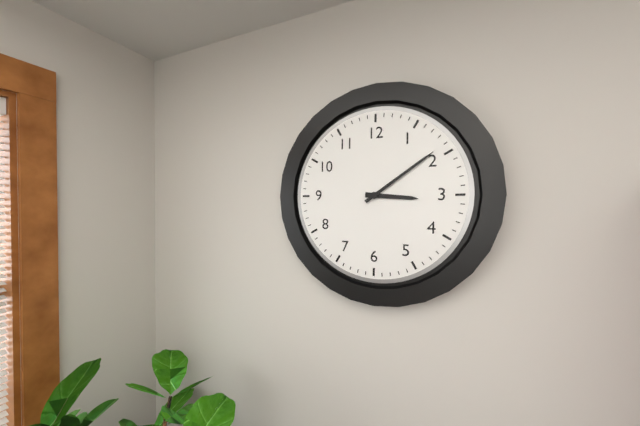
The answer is 3:09
